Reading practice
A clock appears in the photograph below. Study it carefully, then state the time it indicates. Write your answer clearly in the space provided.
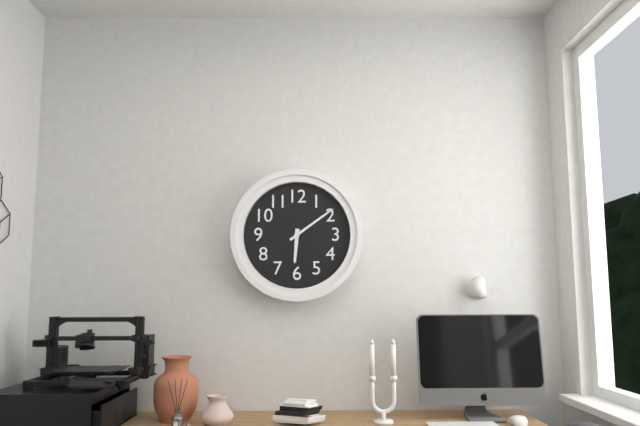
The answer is 6:09
